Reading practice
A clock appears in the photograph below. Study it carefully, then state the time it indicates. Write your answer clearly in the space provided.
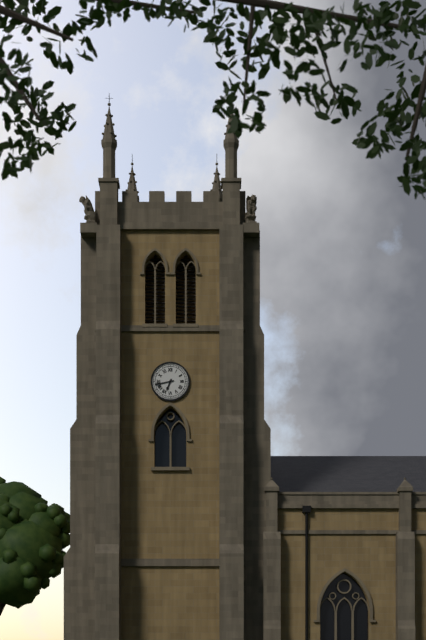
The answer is 6:43
